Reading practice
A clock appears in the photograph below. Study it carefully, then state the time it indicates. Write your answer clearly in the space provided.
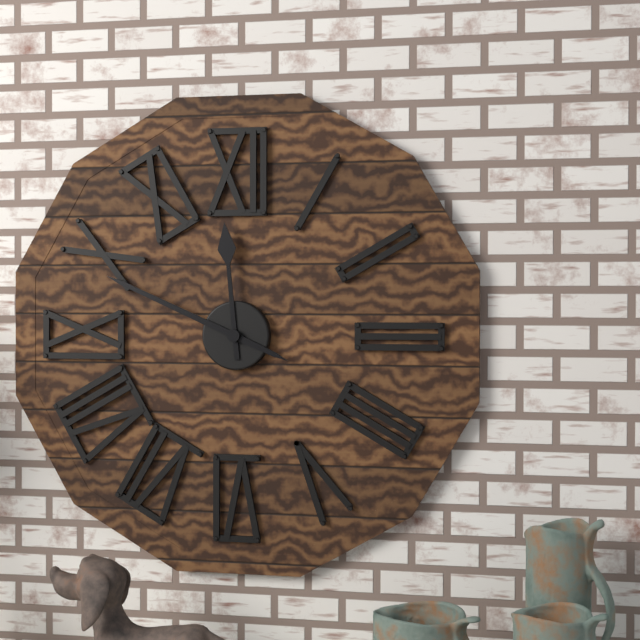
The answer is 11:49
